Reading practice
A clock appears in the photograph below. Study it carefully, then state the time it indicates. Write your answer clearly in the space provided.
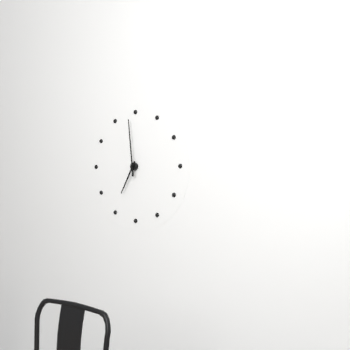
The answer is 6:59
